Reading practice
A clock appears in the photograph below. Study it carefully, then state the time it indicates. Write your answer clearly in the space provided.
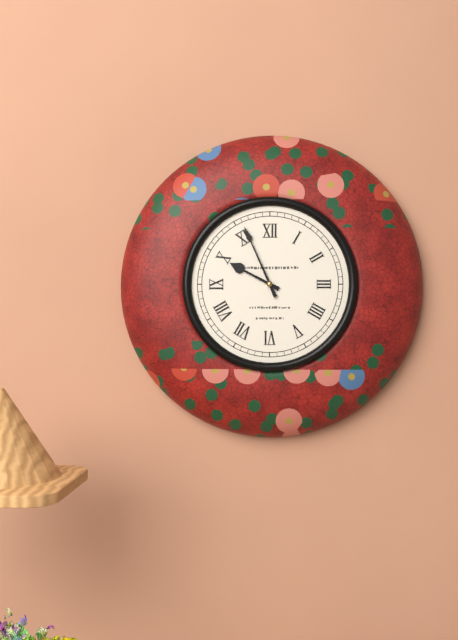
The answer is 9:56
